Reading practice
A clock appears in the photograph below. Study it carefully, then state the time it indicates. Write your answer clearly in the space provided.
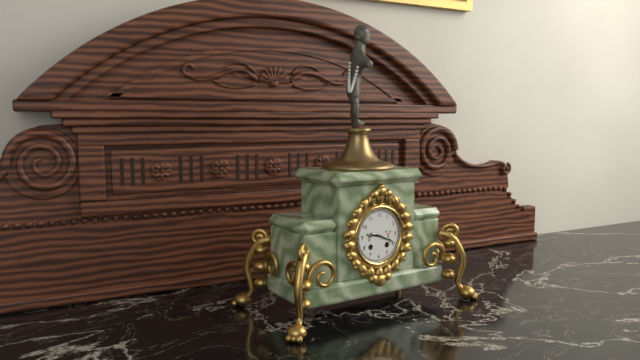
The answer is 9:19
